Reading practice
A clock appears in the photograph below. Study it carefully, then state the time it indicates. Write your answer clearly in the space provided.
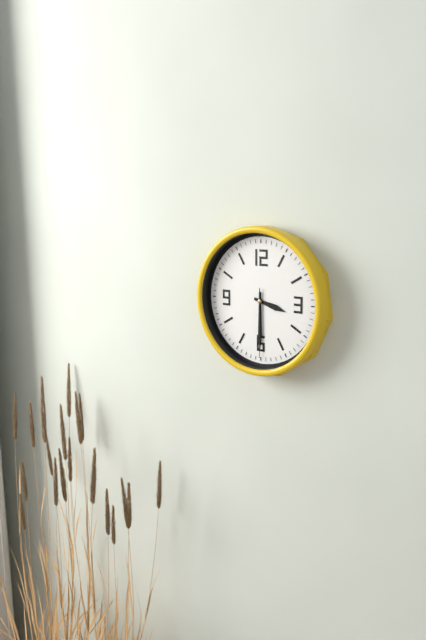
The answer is 3:30:30
